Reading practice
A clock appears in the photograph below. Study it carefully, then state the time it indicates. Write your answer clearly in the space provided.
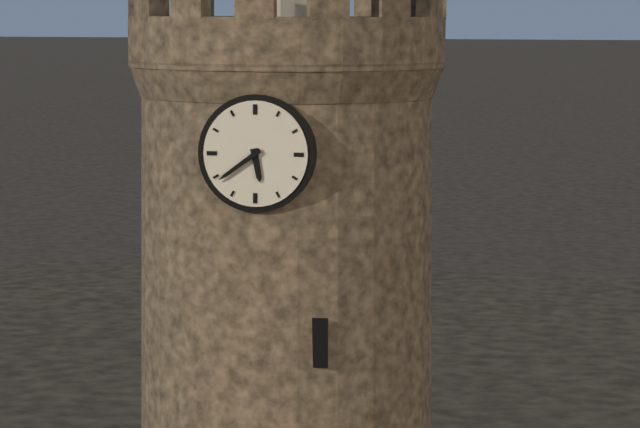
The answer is 5:39
